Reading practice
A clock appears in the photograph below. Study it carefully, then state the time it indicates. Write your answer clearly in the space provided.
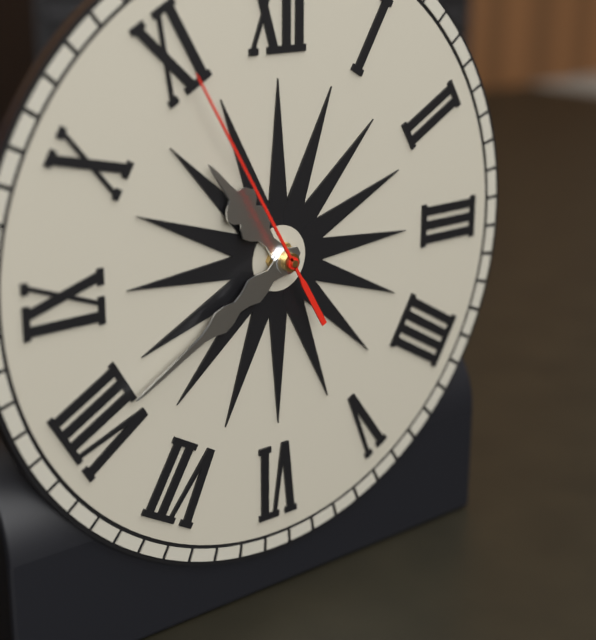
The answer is 10:40:55
